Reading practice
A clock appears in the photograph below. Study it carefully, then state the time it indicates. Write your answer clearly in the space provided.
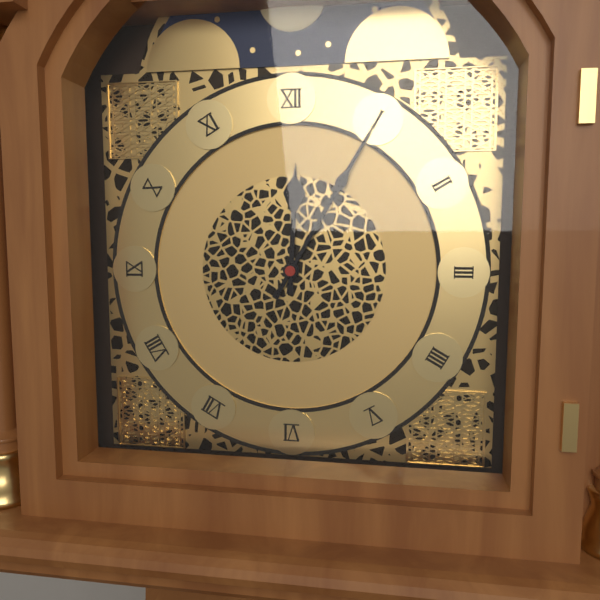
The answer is 12:05
